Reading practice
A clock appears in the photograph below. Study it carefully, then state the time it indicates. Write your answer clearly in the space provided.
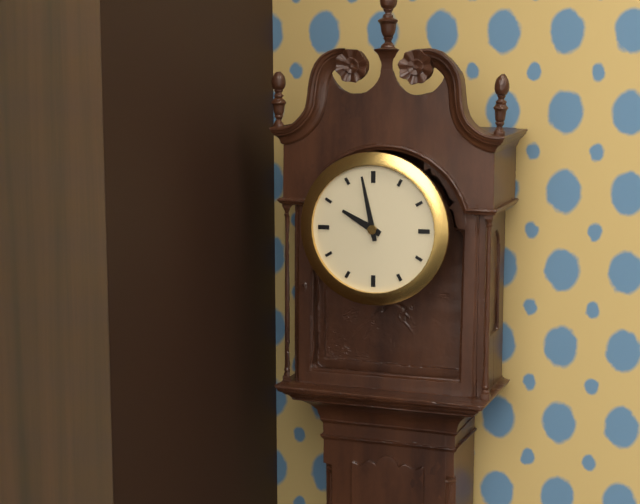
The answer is 9:58
